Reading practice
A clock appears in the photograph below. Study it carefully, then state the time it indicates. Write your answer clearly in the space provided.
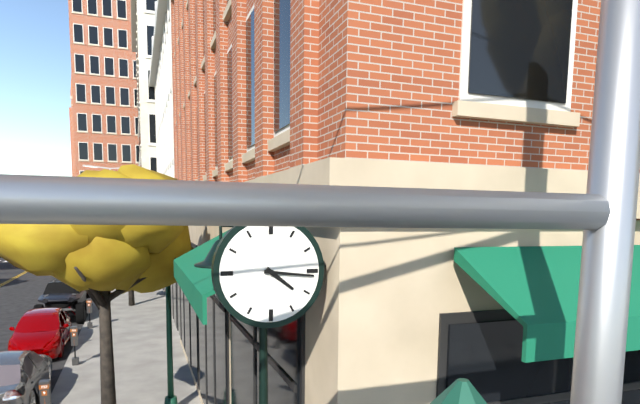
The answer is 4:16
